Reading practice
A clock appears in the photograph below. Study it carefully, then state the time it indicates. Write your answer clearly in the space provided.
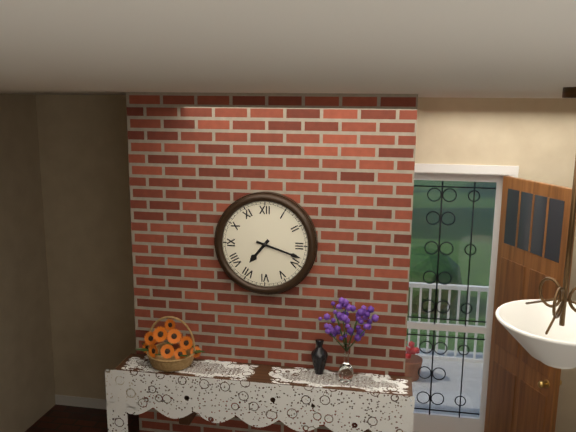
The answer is 7:18
